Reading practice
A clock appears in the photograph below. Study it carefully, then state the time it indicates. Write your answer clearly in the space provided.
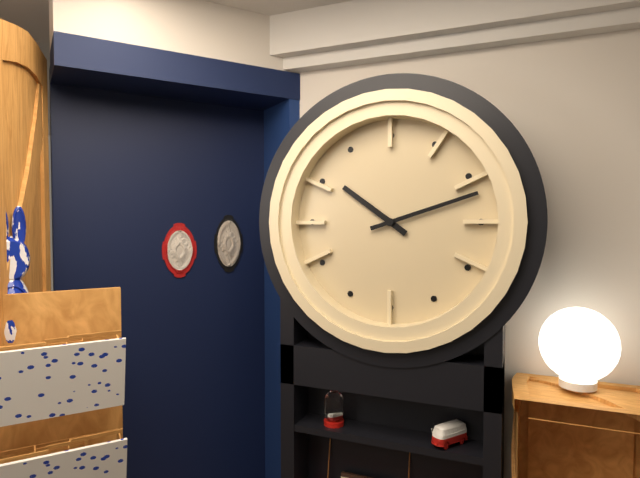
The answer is 10:12
